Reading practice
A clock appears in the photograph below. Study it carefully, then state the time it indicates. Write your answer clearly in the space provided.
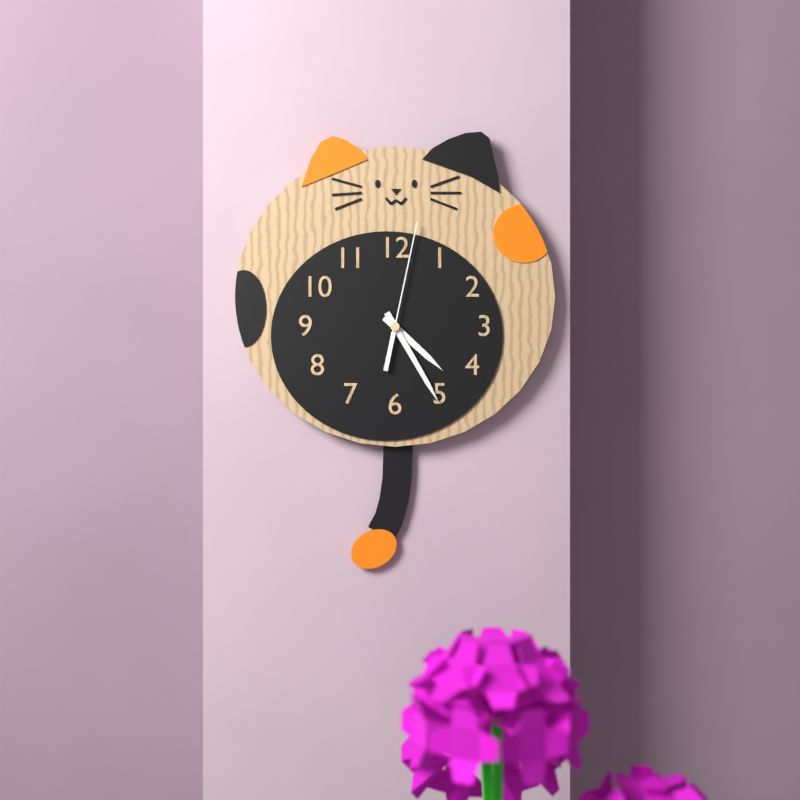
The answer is 4:25:02
